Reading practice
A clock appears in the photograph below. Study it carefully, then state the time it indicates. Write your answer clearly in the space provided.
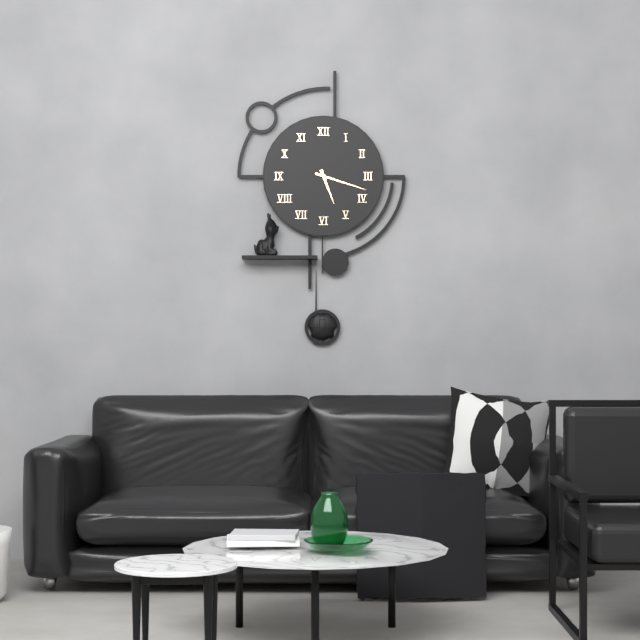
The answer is 5:18
